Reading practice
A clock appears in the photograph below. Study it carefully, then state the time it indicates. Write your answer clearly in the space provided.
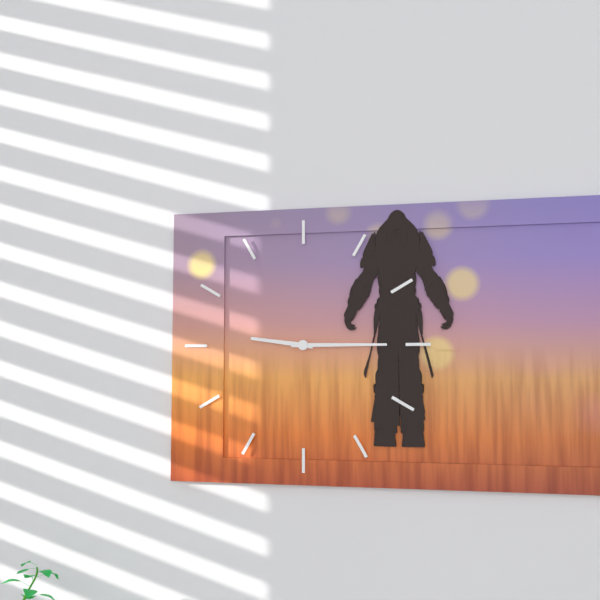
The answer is 9:15
